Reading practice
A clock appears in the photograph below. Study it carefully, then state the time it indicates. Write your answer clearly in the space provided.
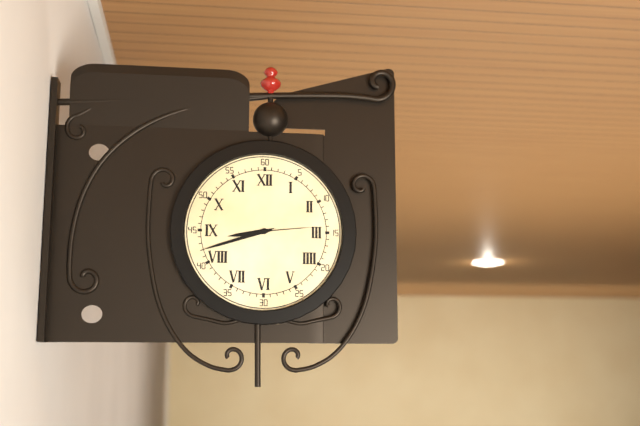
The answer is 8:42:14
